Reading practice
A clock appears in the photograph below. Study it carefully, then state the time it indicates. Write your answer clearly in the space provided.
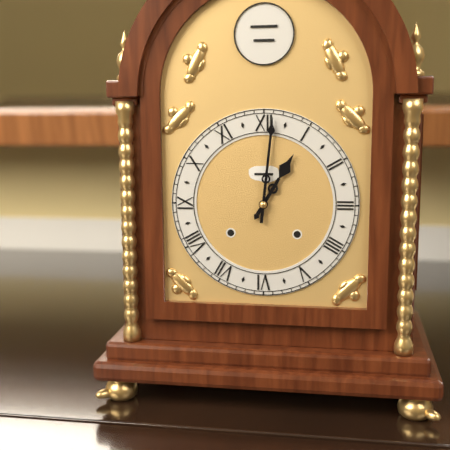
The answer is 1:01
